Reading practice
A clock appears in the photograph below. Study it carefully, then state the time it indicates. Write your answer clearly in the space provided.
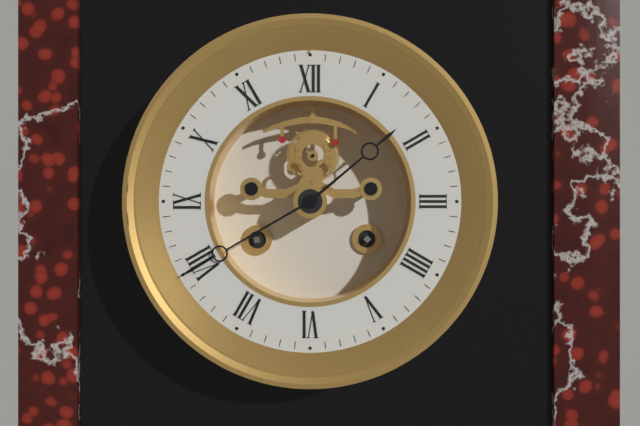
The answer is 1:40
